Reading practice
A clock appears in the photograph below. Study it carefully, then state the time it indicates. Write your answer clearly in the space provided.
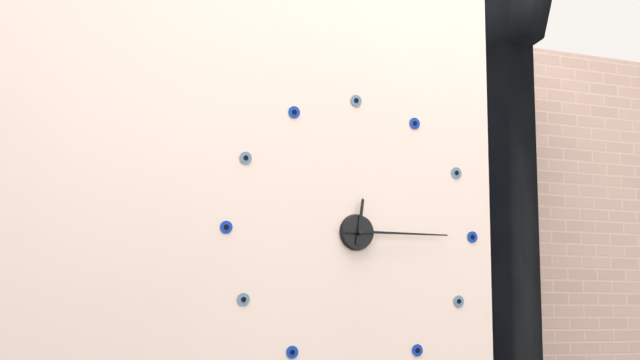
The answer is 12:15
